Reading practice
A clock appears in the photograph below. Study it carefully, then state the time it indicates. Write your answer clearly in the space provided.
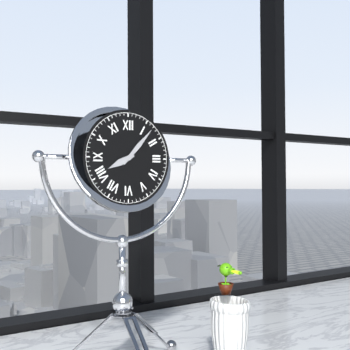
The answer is 8:07
